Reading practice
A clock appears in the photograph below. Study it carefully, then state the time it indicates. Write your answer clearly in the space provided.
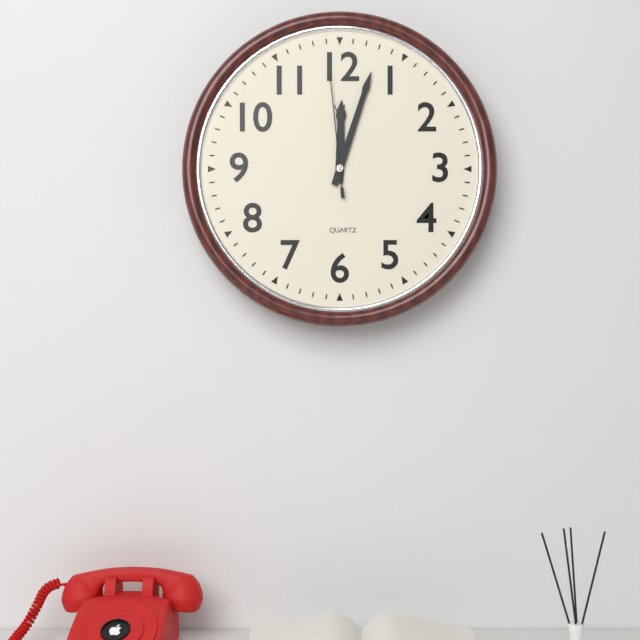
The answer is 12:03:59
